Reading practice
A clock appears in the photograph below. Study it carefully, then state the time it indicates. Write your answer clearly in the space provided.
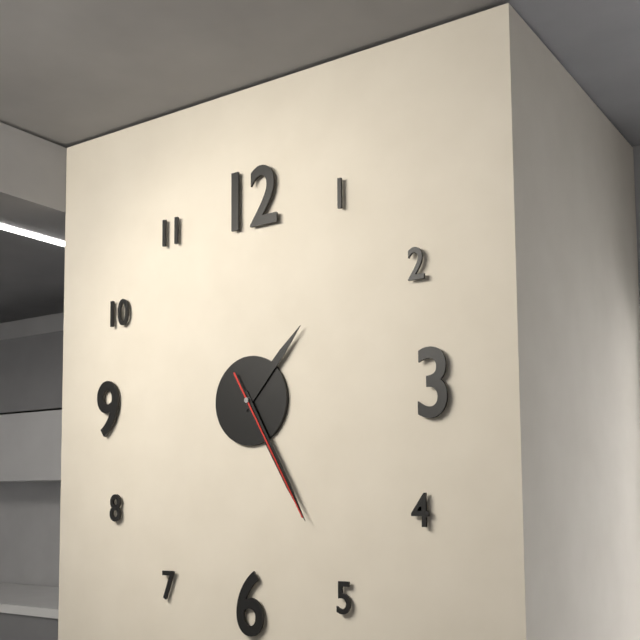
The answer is 1:25:25
